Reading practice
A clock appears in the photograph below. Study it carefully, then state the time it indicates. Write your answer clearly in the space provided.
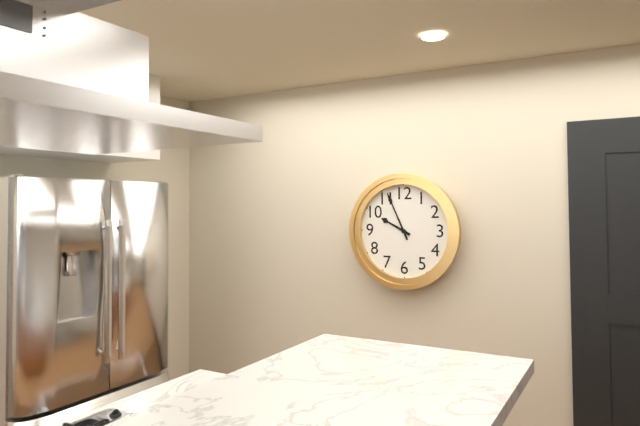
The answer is 9:56
